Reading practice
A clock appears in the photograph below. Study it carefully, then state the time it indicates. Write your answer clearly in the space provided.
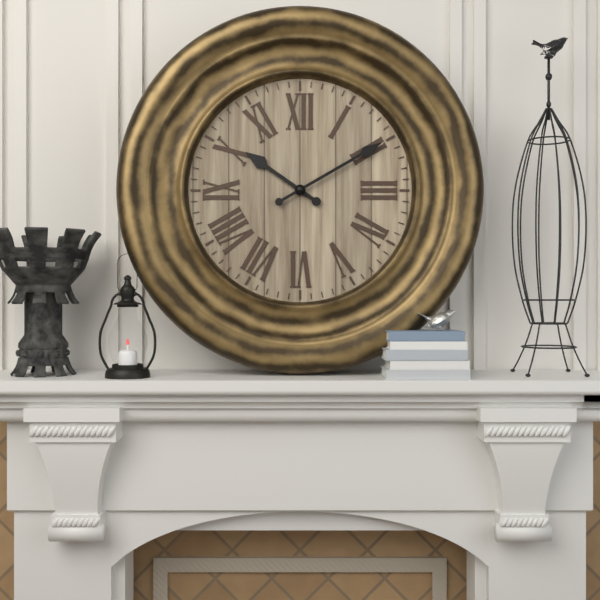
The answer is 10:10
